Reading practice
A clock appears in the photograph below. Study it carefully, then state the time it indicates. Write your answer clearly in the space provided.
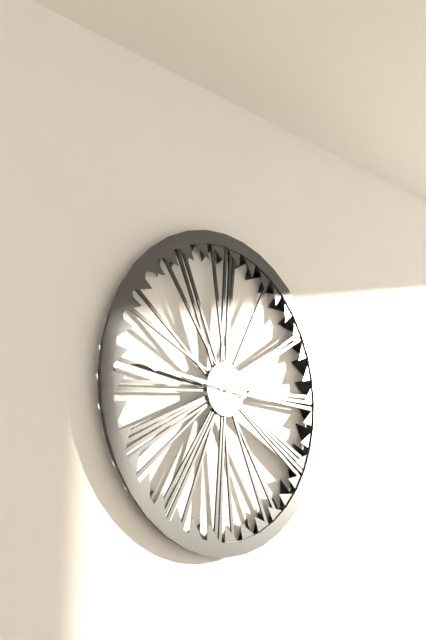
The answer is 2:46
